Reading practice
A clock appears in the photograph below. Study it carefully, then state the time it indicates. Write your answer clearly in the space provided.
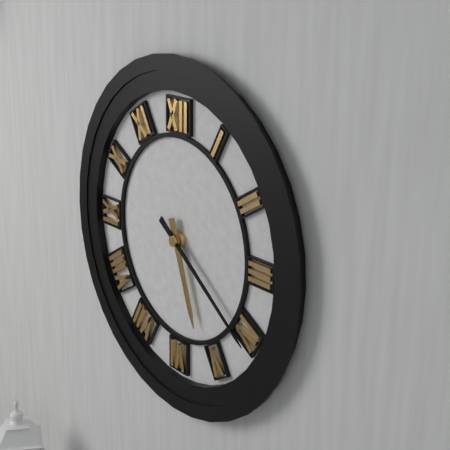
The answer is 5:21
